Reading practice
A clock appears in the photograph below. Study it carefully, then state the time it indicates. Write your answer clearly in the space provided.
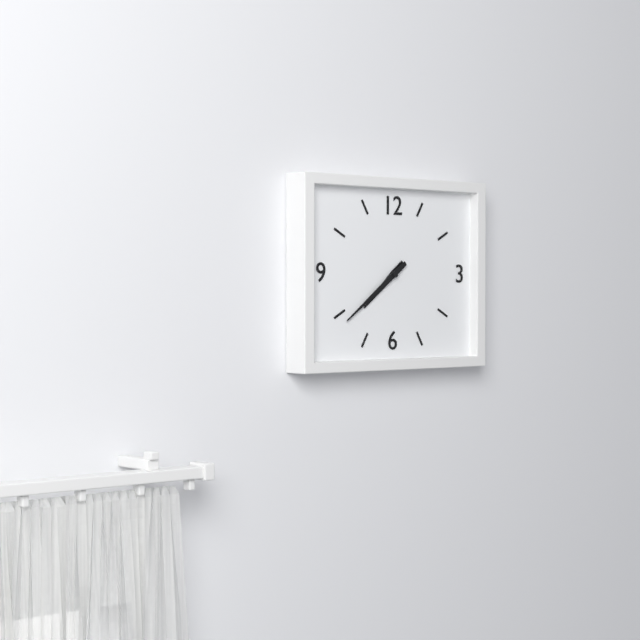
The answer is 7:39
